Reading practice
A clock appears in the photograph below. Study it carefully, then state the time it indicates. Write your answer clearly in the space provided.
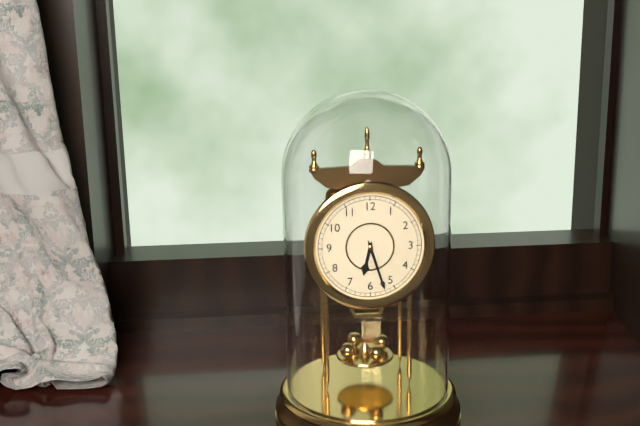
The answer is 6:27
